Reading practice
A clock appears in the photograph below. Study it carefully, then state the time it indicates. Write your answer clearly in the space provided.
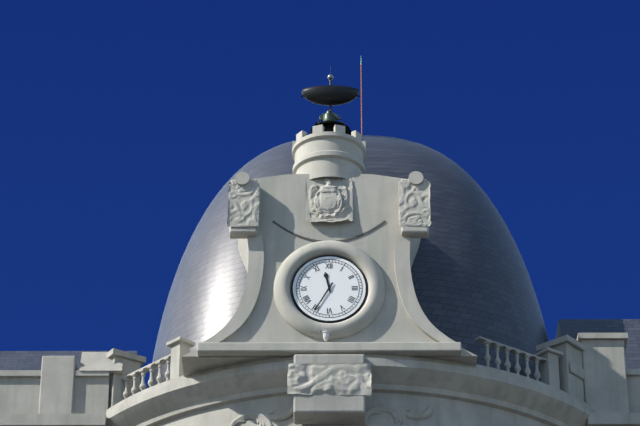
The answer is 11:35
